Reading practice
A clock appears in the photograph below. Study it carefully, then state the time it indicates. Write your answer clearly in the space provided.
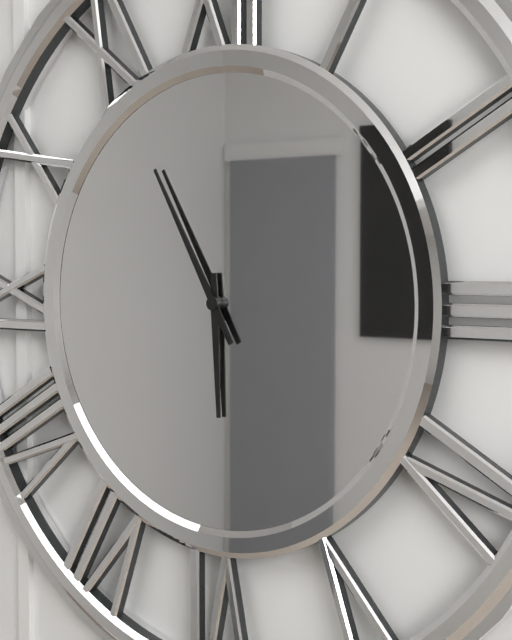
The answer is 5:55
